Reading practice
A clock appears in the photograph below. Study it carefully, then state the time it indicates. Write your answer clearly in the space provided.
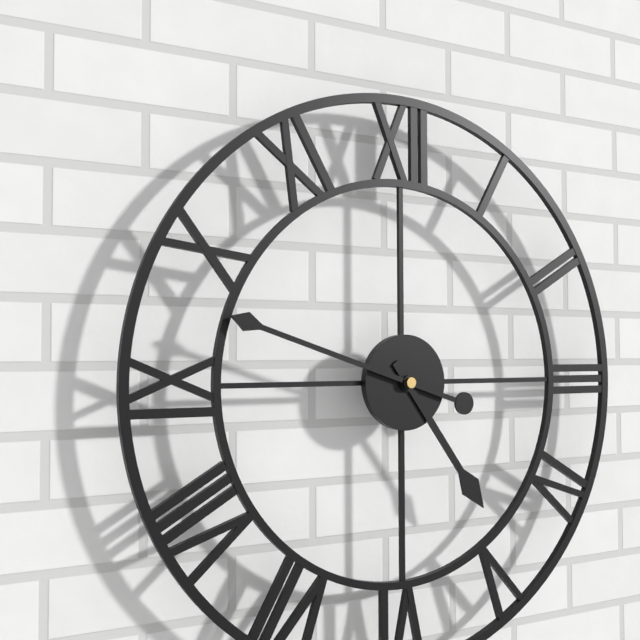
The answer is 4:48
